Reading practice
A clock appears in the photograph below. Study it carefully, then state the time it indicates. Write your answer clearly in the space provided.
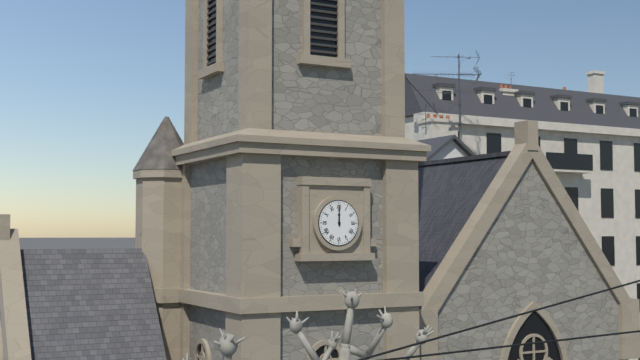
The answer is 12:00
